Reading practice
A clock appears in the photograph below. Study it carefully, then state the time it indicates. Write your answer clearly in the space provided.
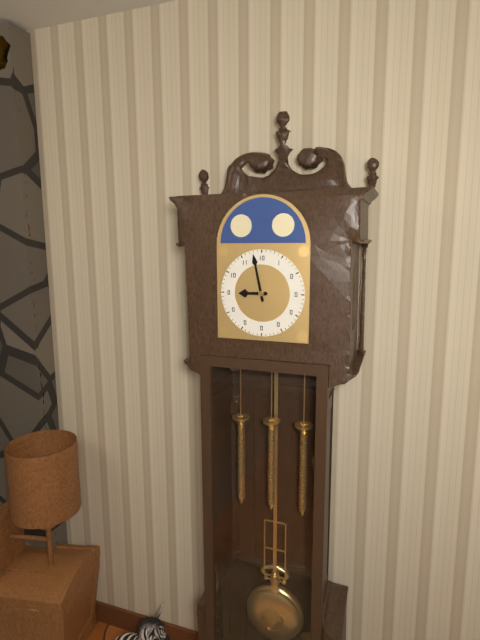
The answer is 8:58
